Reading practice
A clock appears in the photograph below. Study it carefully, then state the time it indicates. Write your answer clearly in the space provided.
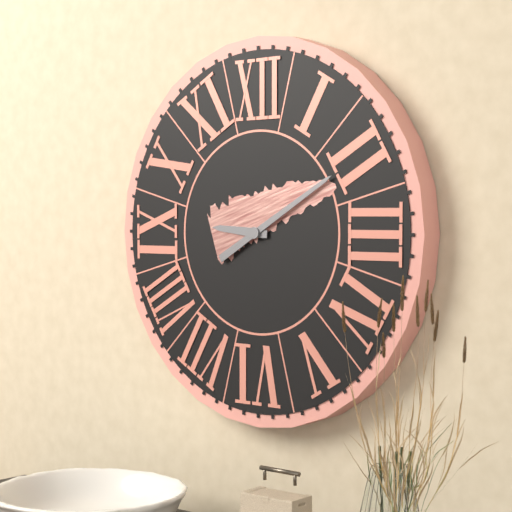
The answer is 9:10
